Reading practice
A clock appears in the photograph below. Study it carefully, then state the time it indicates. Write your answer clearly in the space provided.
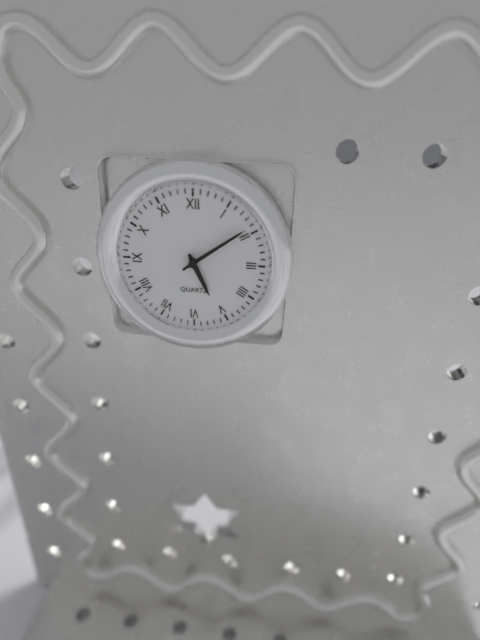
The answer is 5:09
